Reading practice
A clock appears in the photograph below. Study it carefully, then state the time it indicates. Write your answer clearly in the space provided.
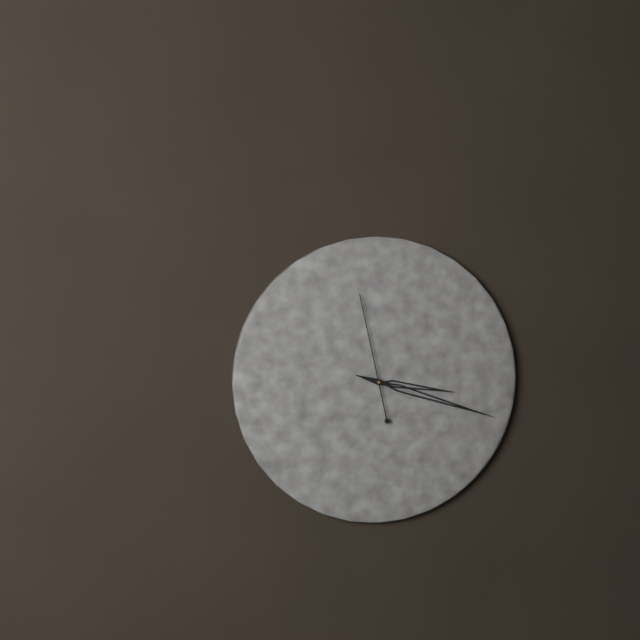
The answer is 3:18:58
